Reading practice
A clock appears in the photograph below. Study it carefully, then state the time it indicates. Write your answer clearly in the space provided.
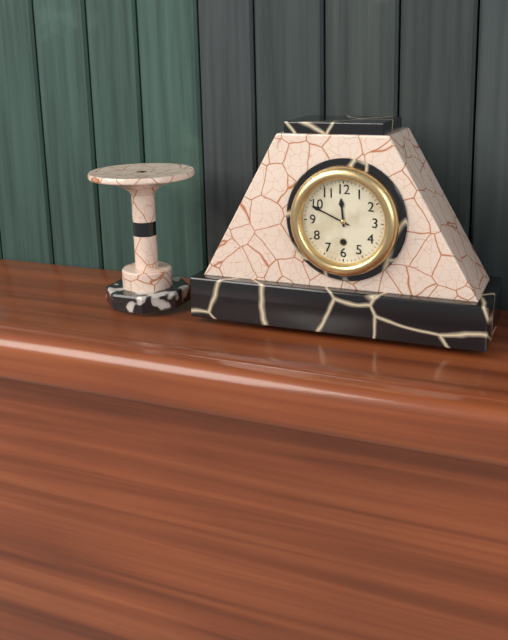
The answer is 11:49
